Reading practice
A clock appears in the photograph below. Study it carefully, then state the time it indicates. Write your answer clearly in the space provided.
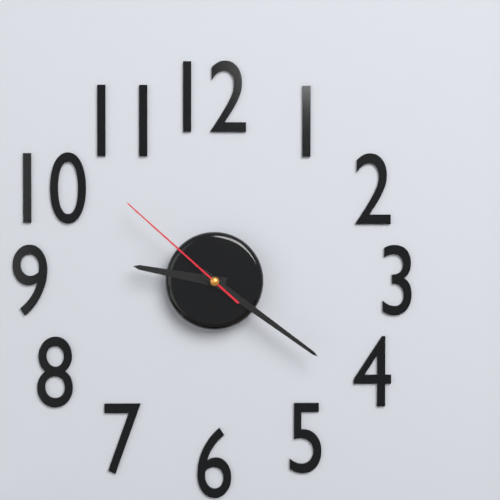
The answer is 9:21:52
